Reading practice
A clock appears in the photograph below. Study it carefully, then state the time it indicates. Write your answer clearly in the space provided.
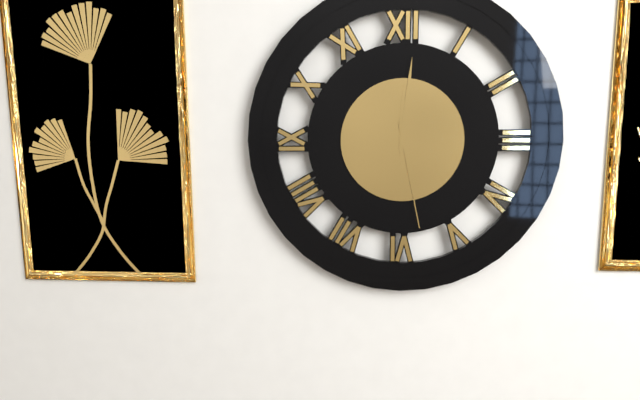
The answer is 12:01:28
